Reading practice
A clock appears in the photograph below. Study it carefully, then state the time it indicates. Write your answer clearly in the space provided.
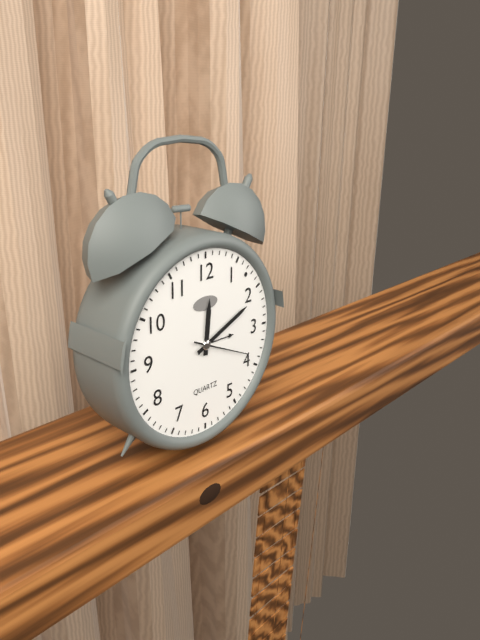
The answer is 12:11:19
